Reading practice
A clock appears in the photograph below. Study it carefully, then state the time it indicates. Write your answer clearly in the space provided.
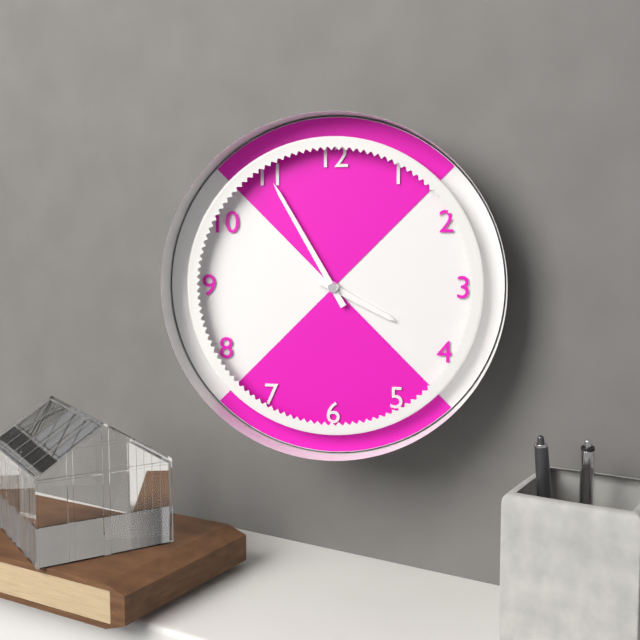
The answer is 3:55
